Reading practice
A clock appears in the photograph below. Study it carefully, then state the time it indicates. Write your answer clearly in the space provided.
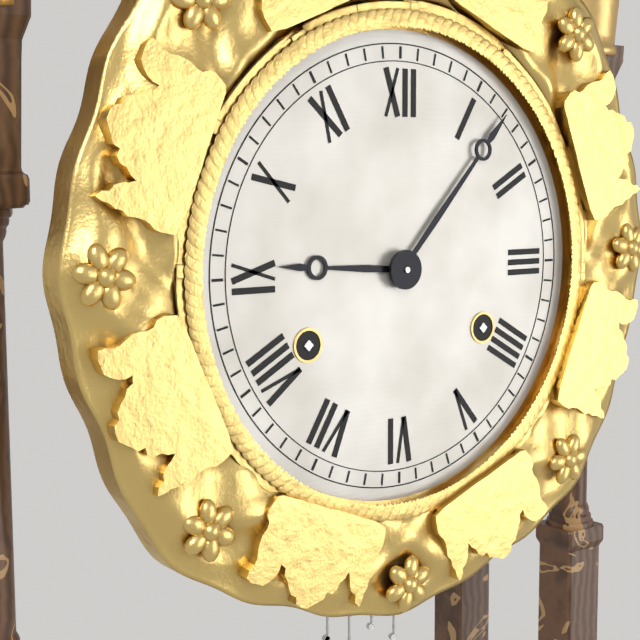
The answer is 9:07
